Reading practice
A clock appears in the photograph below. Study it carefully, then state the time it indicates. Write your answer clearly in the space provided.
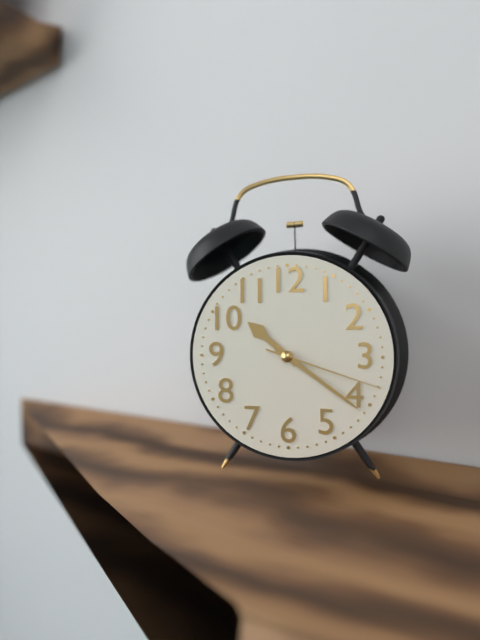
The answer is 10:21:18
